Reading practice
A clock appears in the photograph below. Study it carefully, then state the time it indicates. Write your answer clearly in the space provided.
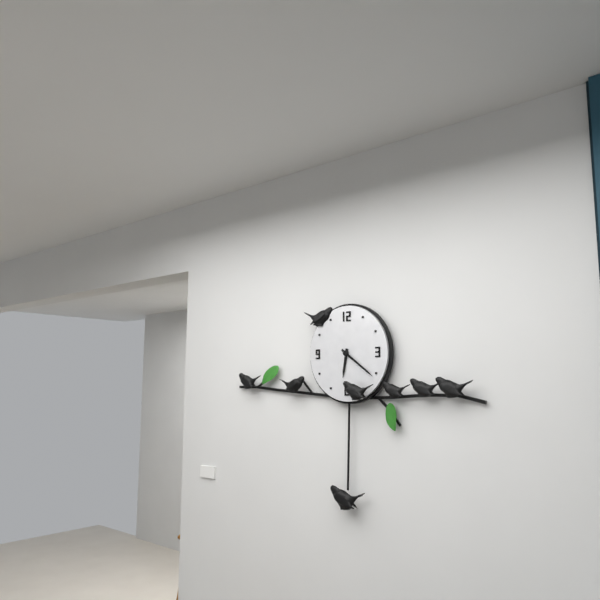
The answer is 6:21
